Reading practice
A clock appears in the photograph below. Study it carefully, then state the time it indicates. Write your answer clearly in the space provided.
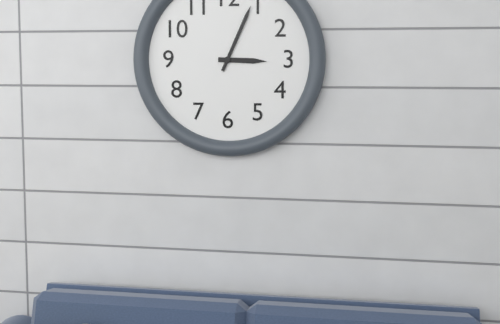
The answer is 3:04
